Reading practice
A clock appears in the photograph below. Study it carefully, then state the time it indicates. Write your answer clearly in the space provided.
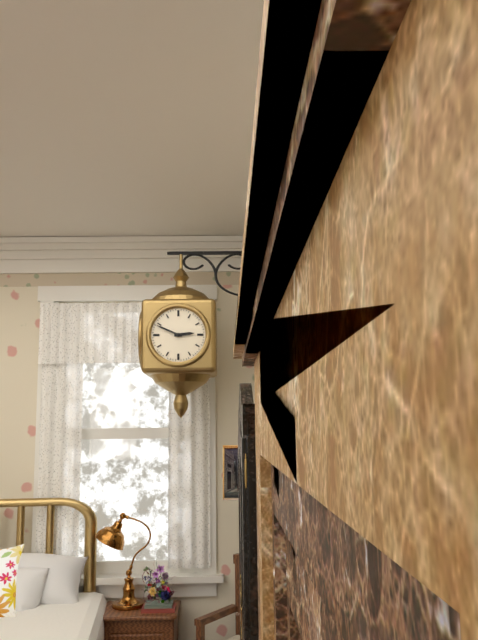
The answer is 2:49
